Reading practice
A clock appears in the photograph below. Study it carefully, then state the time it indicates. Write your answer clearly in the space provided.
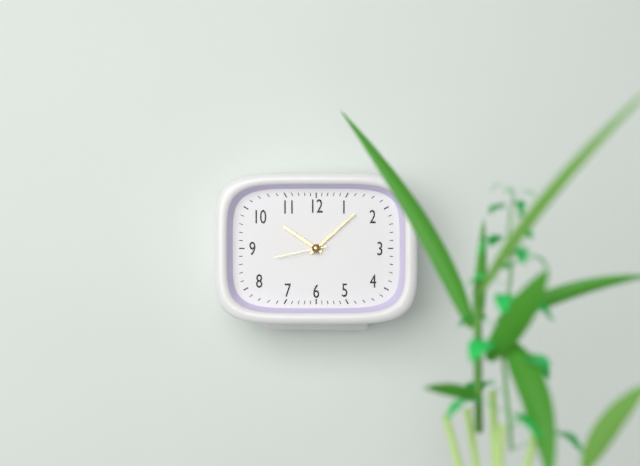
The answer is 10:08:43
